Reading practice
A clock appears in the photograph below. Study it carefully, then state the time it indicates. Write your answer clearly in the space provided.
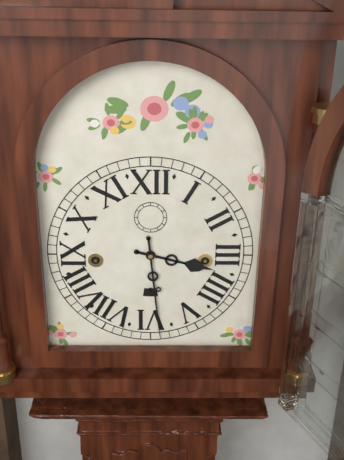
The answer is 3:29
